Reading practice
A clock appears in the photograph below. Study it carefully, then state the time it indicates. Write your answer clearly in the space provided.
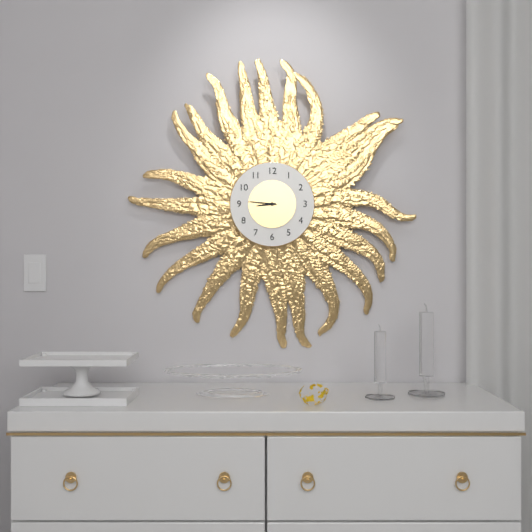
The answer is 8:46
